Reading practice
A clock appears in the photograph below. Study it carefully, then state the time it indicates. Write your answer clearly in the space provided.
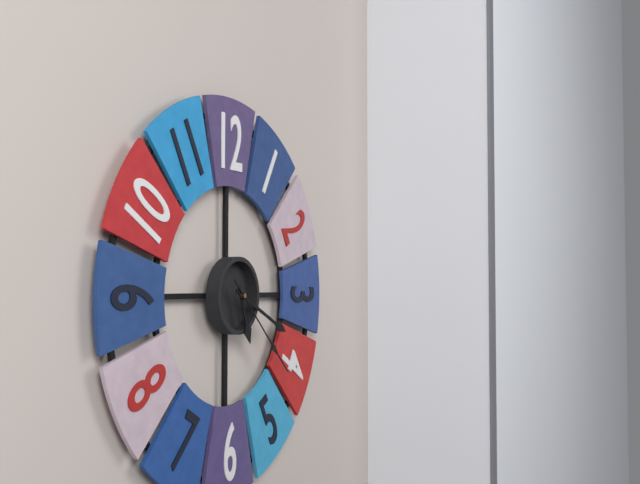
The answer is 5:19:22
